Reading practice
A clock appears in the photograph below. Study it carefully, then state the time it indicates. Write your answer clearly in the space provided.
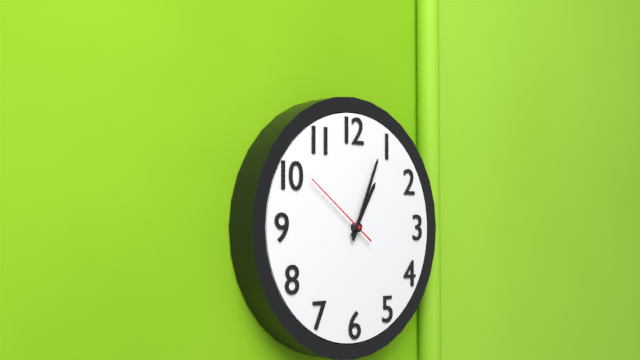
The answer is 1:04:51
